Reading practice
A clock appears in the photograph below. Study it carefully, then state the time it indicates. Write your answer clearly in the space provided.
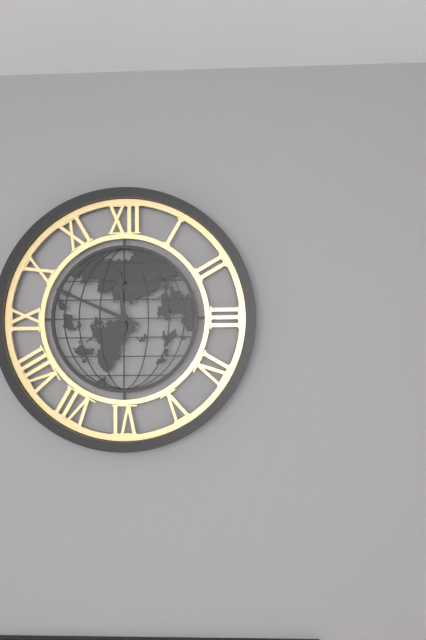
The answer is 11:49
